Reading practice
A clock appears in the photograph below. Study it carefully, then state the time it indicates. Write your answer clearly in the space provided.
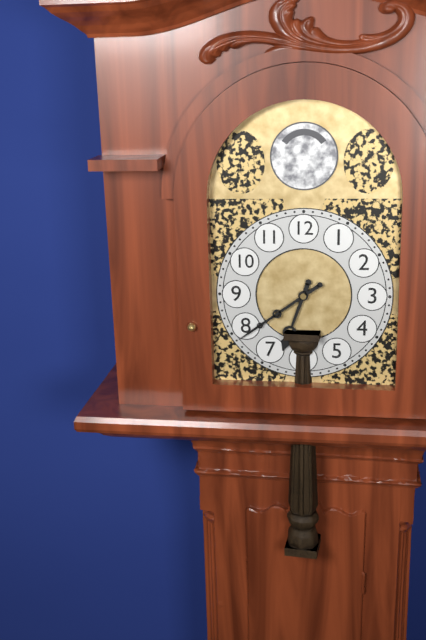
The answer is 6:39
